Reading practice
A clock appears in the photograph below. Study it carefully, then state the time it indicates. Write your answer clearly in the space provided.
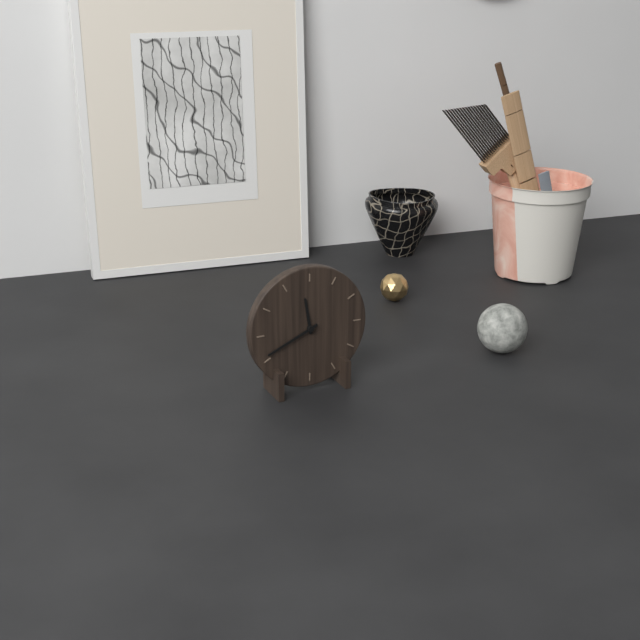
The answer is 11:41
